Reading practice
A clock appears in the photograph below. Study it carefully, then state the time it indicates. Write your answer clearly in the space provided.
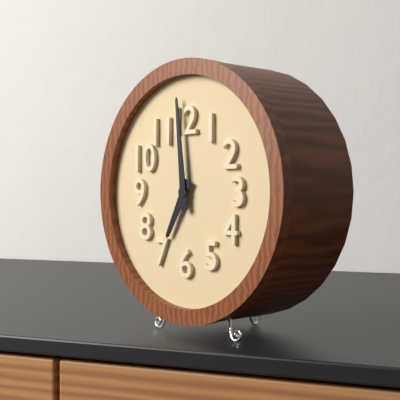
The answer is 6:59
